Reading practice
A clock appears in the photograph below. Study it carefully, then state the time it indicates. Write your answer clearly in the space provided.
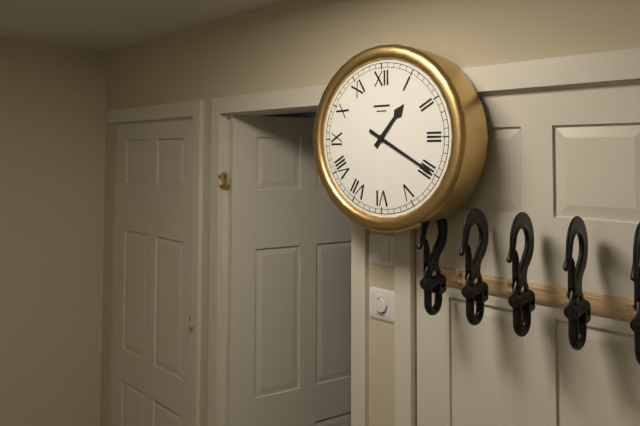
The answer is 1:20
